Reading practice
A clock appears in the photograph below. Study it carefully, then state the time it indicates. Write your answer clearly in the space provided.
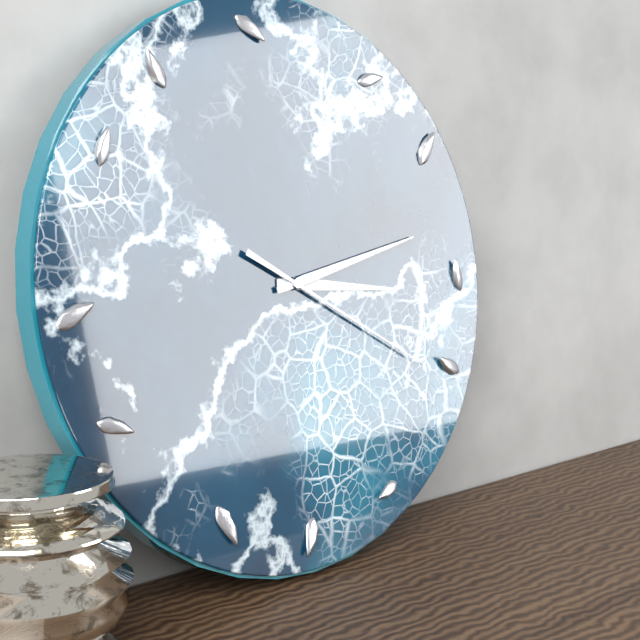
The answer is 3:13:20
